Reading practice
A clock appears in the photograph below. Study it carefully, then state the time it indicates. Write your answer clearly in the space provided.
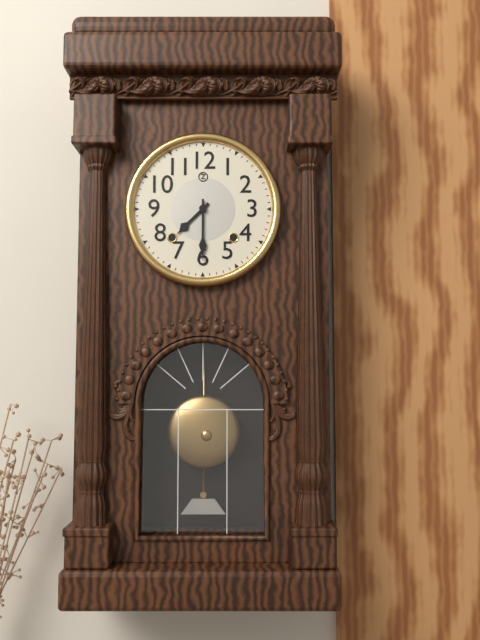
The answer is 7:30
